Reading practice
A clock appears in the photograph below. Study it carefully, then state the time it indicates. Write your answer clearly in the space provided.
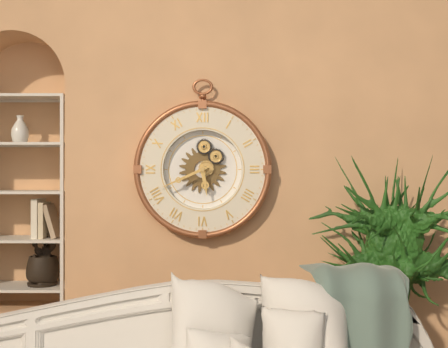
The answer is 5:41
